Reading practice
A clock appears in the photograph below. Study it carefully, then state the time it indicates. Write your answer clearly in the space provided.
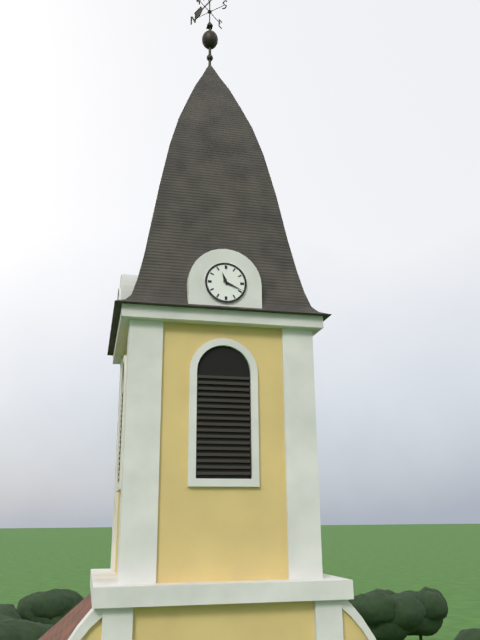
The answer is 11:19
